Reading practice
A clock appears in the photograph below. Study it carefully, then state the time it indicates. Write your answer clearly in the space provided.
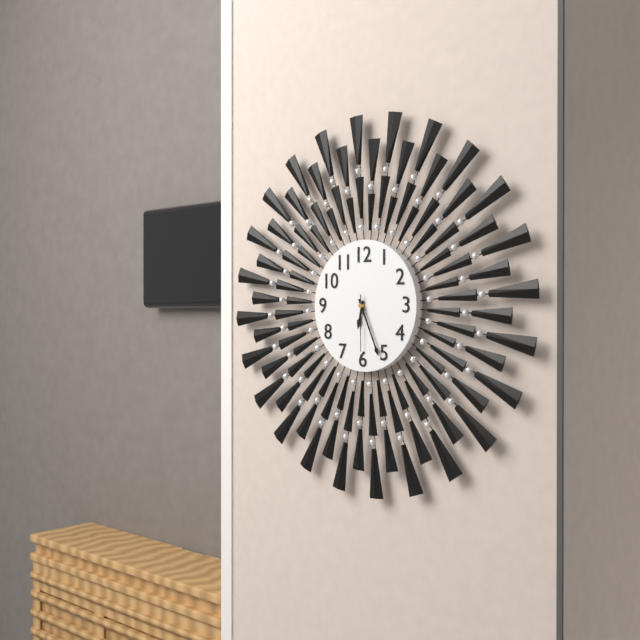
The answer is 6:26:30
